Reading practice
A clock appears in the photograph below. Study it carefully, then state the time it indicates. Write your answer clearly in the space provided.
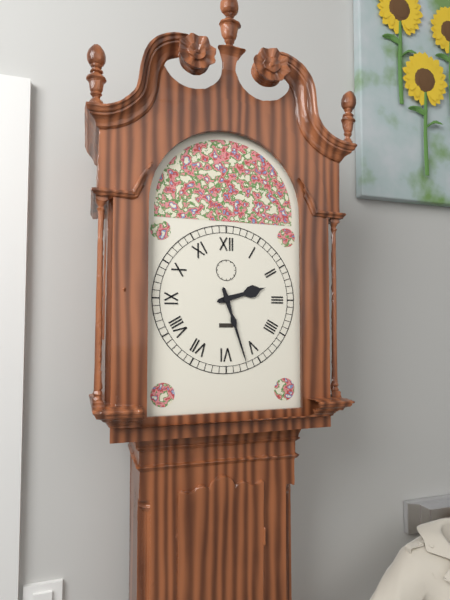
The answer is 2:27
